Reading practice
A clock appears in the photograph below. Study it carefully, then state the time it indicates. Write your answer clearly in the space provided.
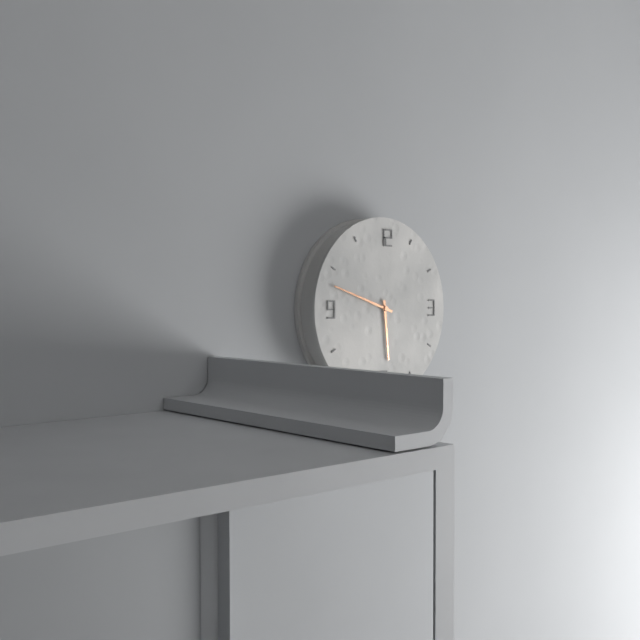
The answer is 5:48
